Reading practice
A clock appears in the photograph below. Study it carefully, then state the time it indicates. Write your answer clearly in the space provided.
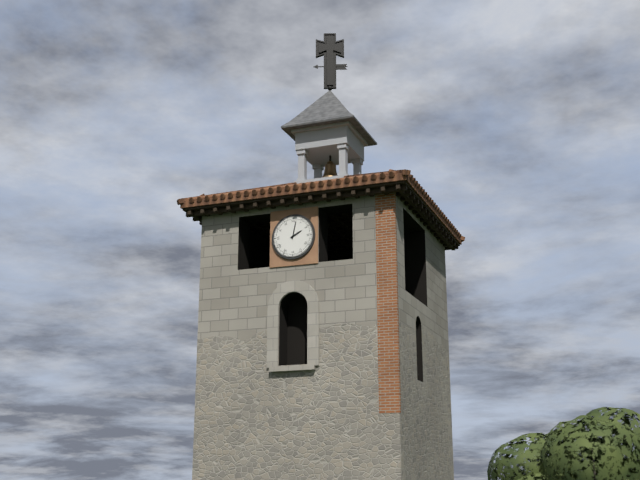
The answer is 2:02
